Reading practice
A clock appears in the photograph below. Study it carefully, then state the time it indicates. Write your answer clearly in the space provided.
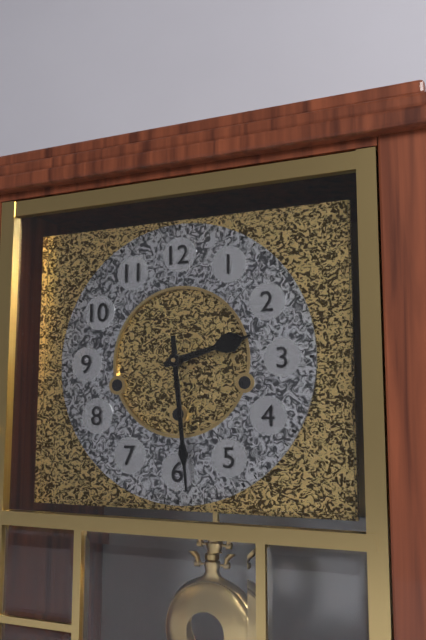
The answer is 2:29
